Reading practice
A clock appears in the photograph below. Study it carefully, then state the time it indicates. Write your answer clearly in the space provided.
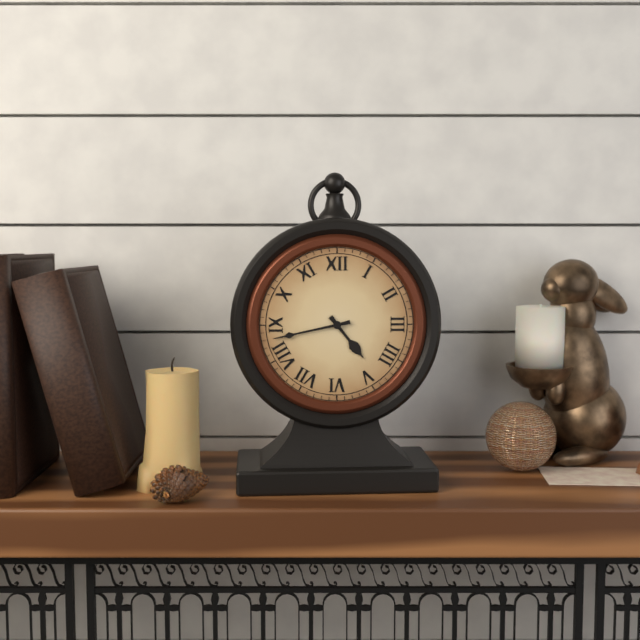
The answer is 4:43
